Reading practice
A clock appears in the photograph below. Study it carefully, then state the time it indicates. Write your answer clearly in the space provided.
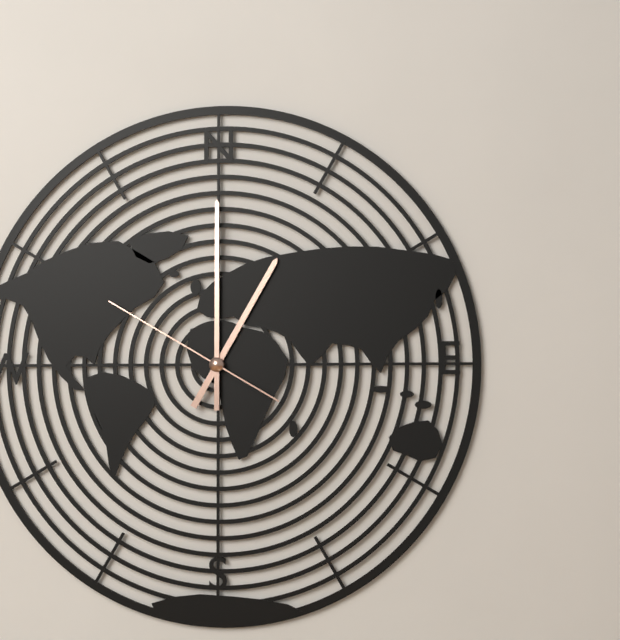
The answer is 1:00:50
